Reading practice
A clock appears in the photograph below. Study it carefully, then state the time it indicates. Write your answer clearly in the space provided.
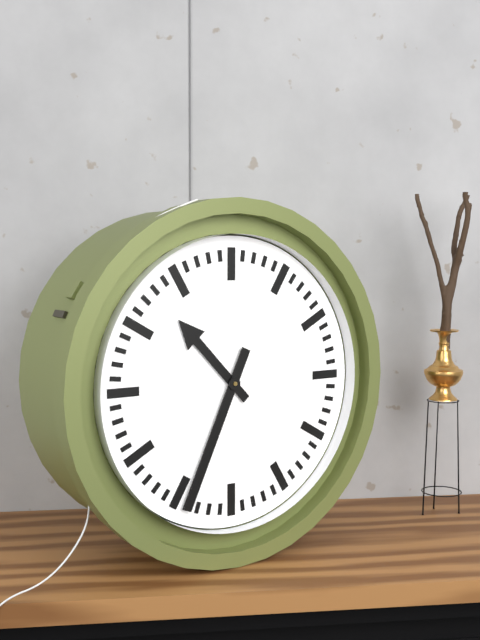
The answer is 10:34
